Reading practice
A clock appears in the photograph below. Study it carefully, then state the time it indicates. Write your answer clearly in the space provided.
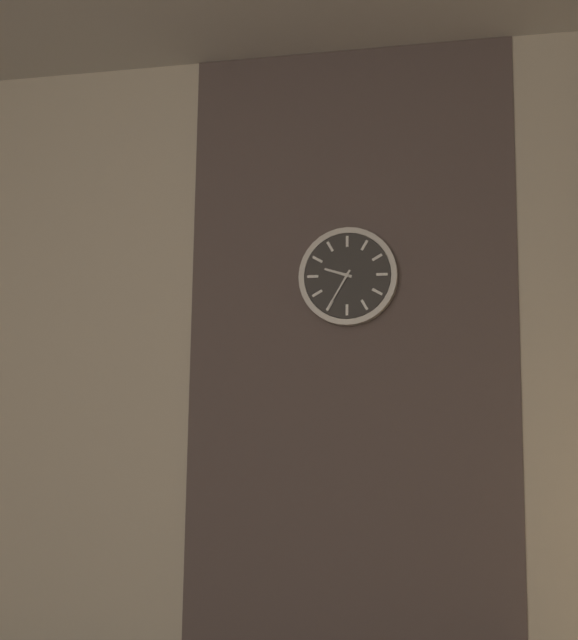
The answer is 9:35
